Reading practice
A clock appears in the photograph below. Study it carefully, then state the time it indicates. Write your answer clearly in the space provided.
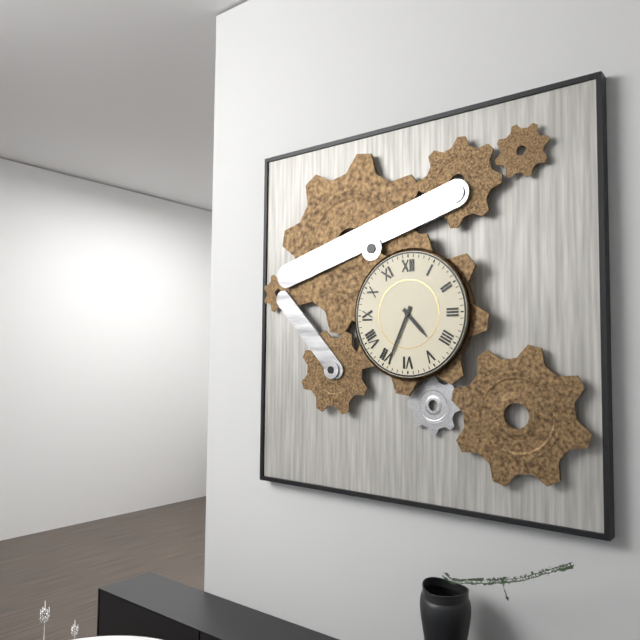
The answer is 4:34
